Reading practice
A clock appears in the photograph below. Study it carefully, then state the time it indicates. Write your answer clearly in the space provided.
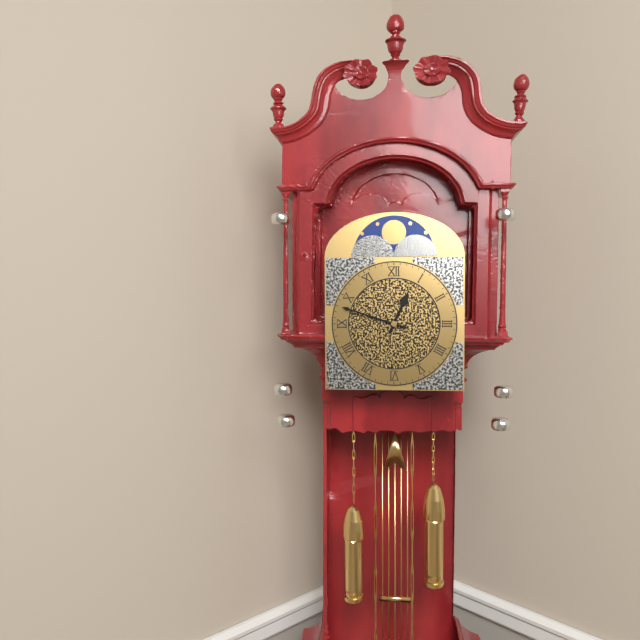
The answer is 12:48
